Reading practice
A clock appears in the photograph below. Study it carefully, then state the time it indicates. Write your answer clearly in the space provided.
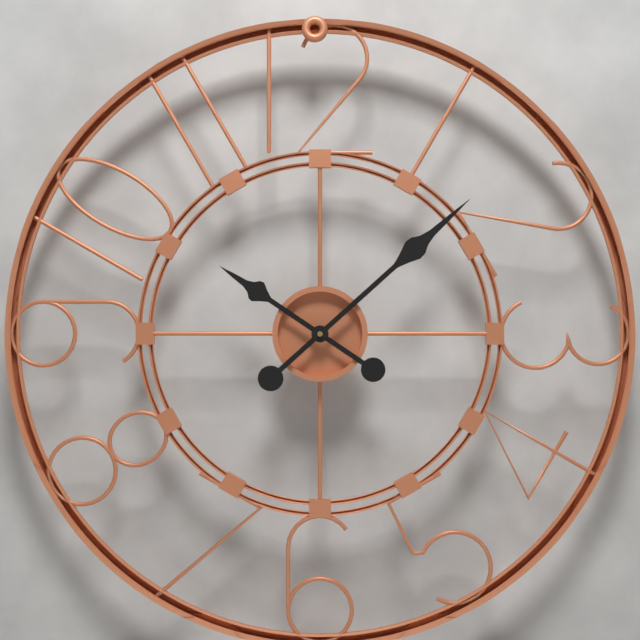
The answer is 10:08
